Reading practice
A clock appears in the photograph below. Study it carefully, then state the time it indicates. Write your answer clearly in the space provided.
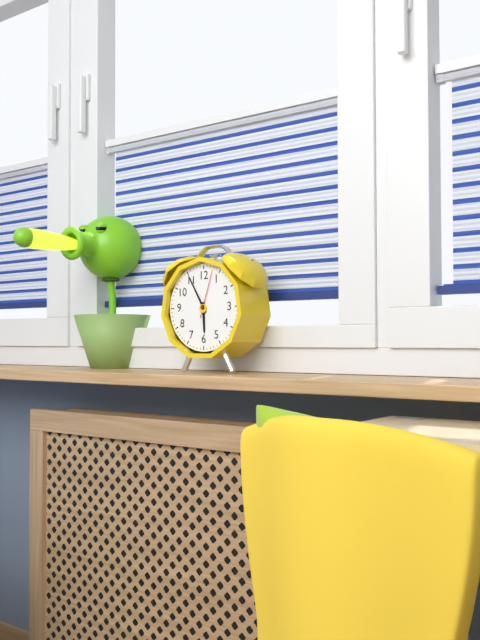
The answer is 5:55
